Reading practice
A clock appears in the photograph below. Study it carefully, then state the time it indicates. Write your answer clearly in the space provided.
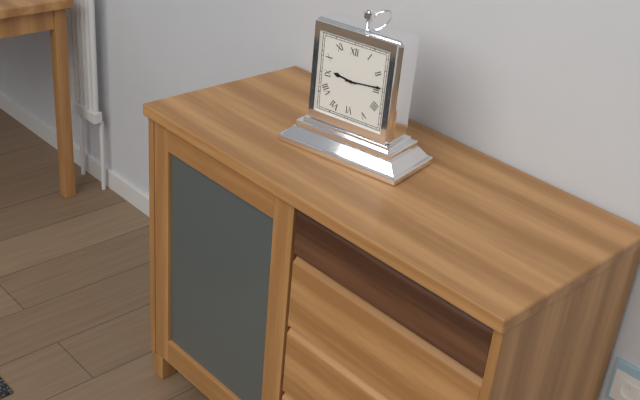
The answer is 9:14
